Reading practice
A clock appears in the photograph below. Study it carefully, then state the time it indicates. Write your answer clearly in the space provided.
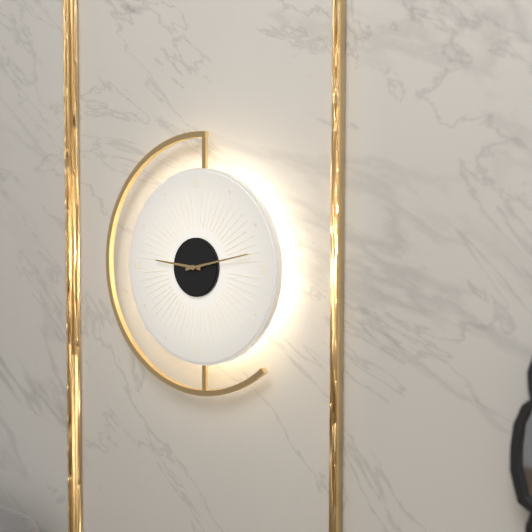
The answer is 9:13
